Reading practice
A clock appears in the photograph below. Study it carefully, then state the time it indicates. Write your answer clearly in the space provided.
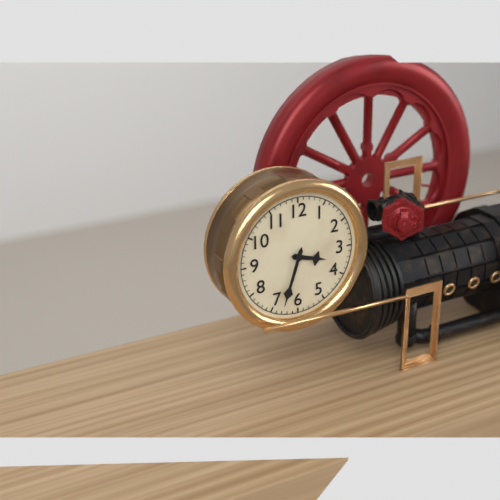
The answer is 3:33
